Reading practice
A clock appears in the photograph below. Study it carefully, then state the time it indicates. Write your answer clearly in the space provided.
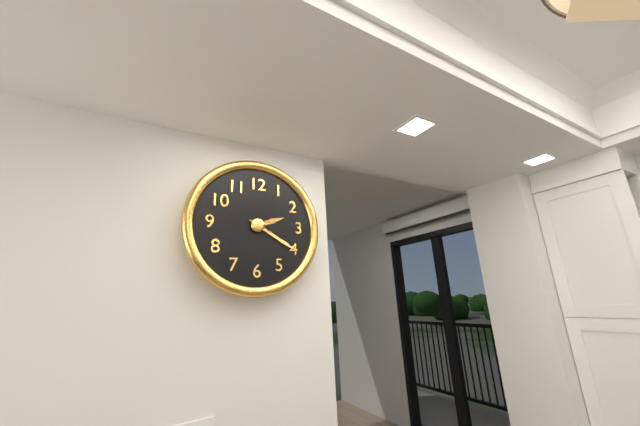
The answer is 2:20
